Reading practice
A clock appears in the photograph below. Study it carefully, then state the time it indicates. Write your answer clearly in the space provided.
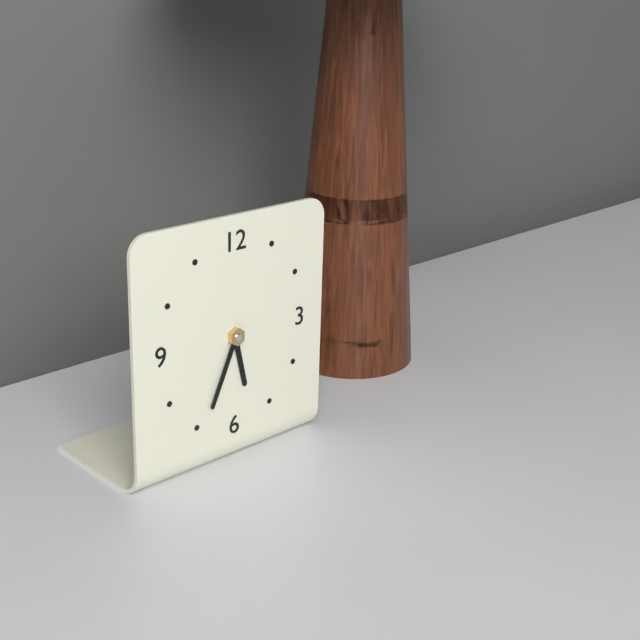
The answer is 5:34
